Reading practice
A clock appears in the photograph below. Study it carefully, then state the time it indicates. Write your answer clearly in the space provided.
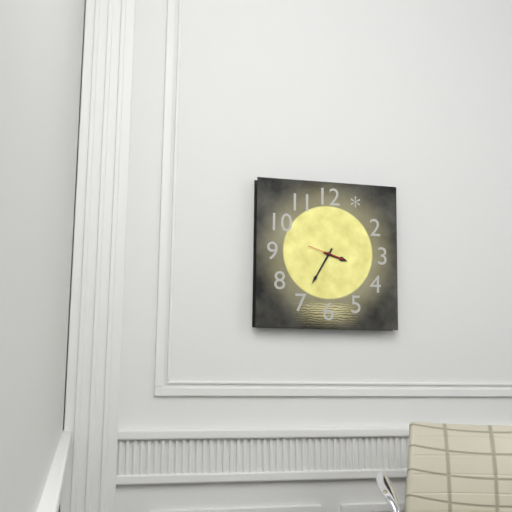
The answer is 3:35
